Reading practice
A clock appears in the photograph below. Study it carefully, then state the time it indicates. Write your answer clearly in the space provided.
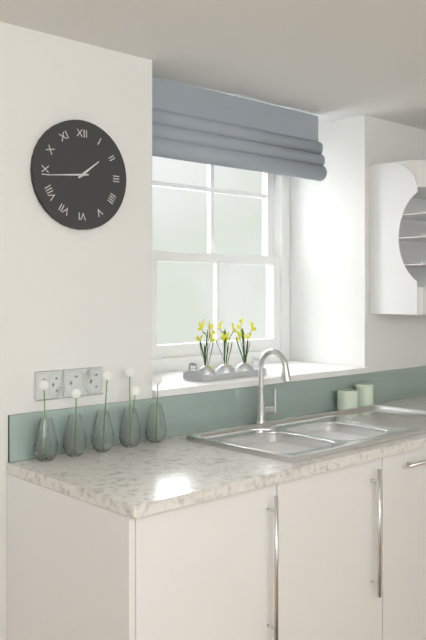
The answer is 1:44
